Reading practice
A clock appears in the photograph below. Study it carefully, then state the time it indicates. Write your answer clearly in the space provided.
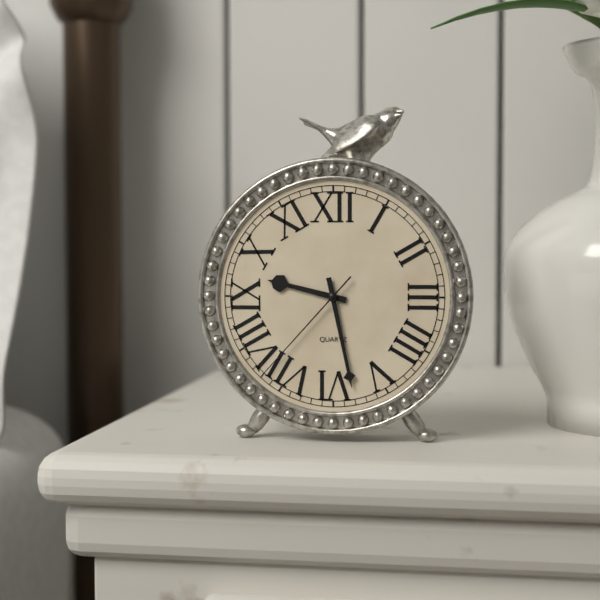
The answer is 9:28:37
